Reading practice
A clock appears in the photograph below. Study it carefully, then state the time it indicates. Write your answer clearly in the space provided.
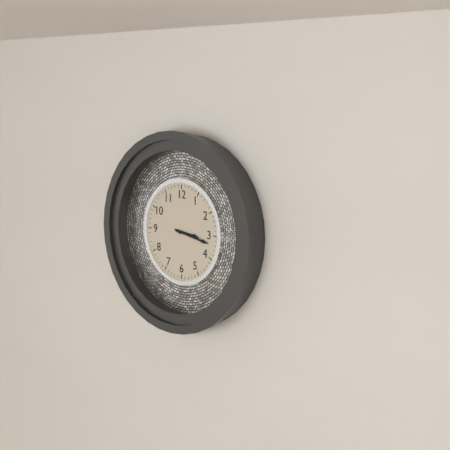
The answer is 3:17
